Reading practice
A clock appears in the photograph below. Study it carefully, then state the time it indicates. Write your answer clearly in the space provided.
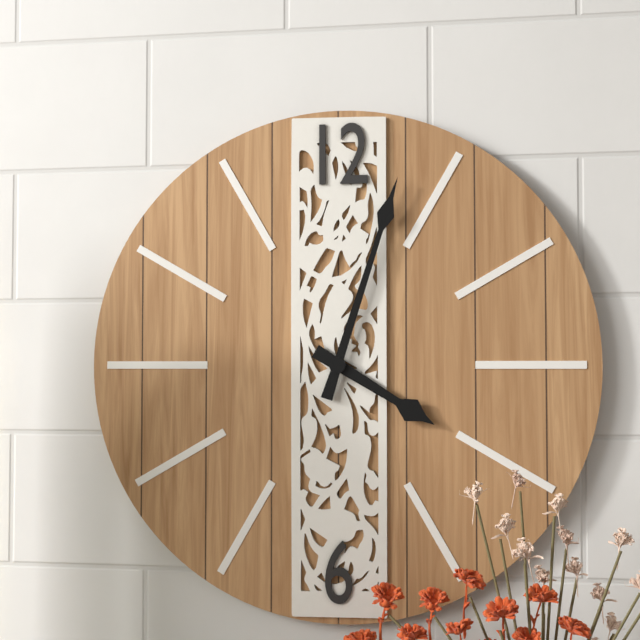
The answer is 4:03
